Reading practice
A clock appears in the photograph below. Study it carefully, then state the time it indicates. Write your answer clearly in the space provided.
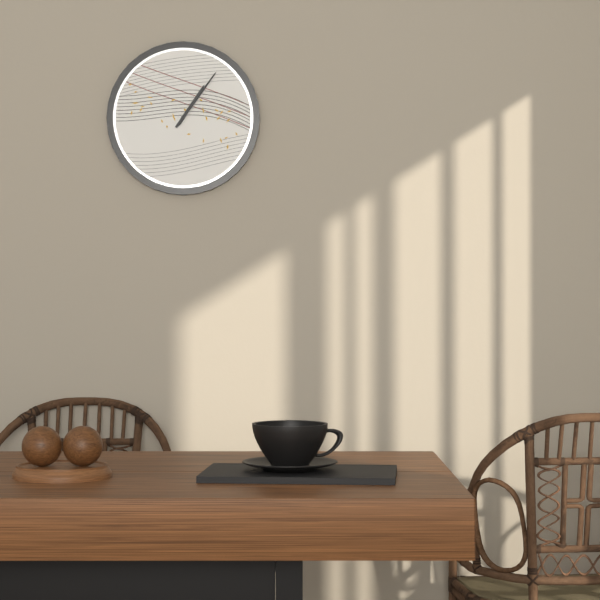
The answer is 1:06
